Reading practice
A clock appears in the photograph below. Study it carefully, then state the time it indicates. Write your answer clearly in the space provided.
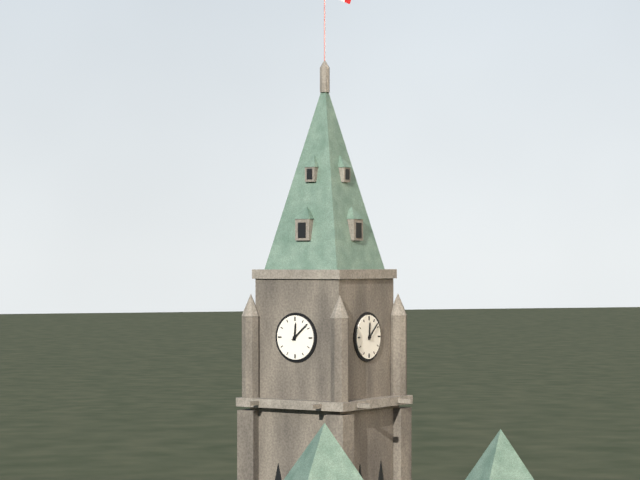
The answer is 12:08
